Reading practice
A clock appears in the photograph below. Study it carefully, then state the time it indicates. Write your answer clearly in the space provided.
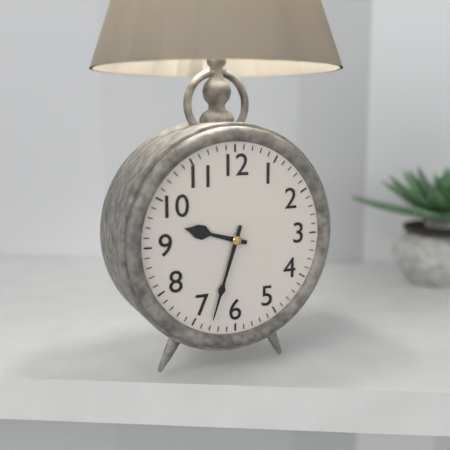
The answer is 9:33
